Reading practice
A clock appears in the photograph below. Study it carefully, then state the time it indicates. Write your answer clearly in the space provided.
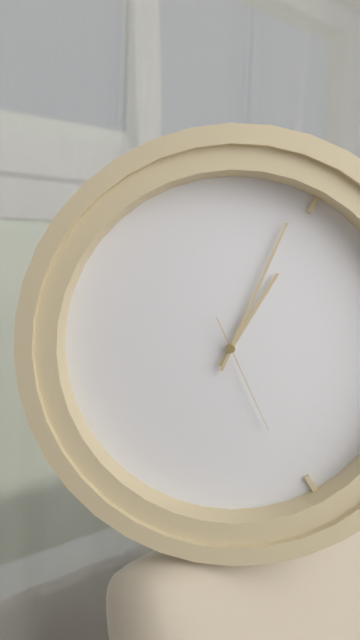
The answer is 1:04:26
